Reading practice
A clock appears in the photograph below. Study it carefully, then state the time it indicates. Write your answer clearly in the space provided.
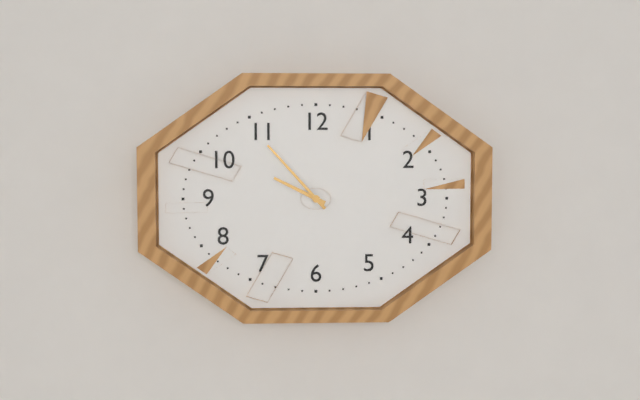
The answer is 9:53
